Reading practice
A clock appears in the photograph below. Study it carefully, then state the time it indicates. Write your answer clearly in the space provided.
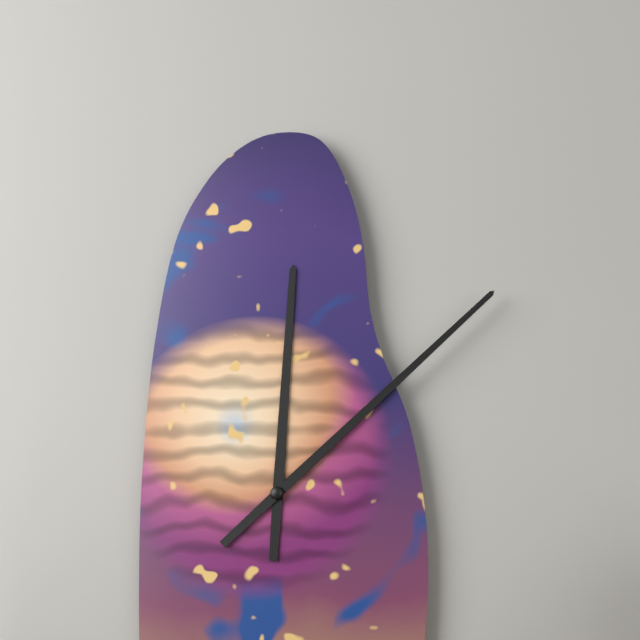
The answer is 12:08
